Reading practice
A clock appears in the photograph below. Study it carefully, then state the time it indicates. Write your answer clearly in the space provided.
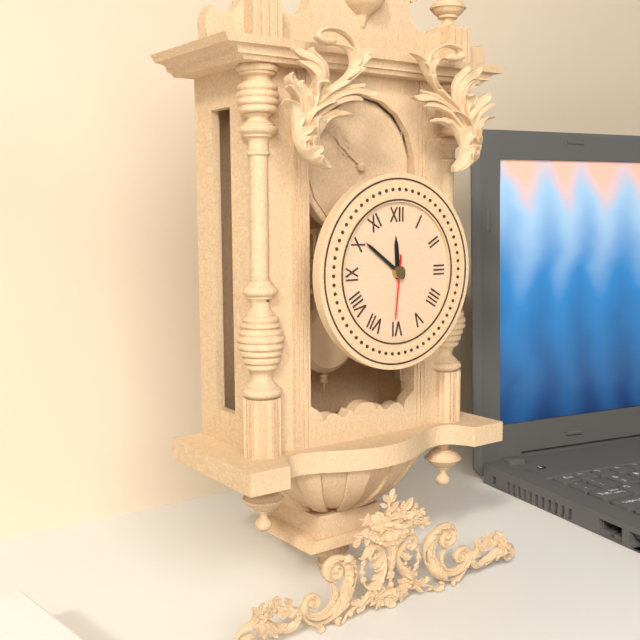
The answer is 11:51:31
